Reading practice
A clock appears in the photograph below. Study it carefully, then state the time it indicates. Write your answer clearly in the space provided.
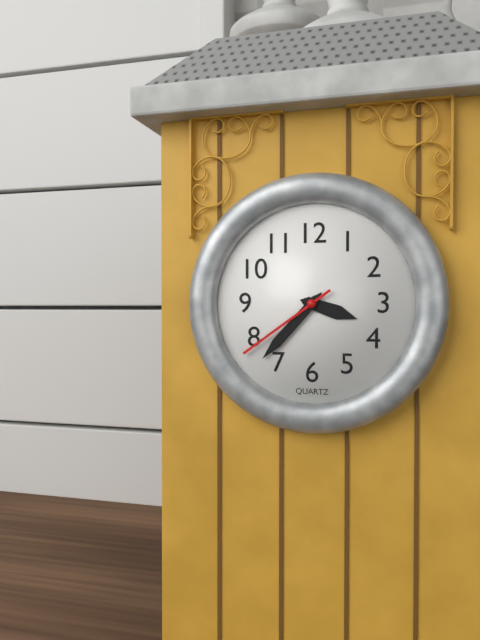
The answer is 3:37:39
